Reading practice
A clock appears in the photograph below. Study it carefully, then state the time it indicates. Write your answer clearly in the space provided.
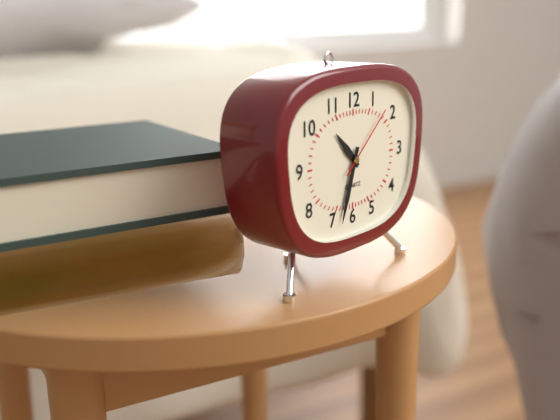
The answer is 10:33:08
